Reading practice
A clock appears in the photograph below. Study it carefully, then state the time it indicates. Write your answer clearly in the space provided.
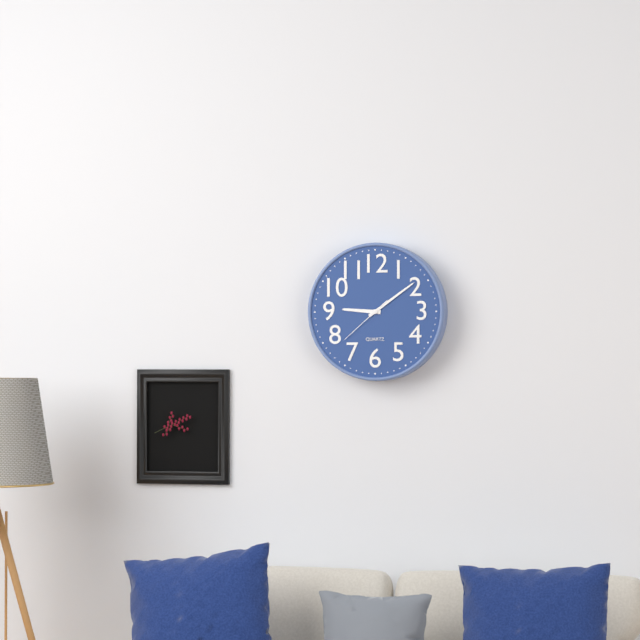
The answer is 9:09:38
